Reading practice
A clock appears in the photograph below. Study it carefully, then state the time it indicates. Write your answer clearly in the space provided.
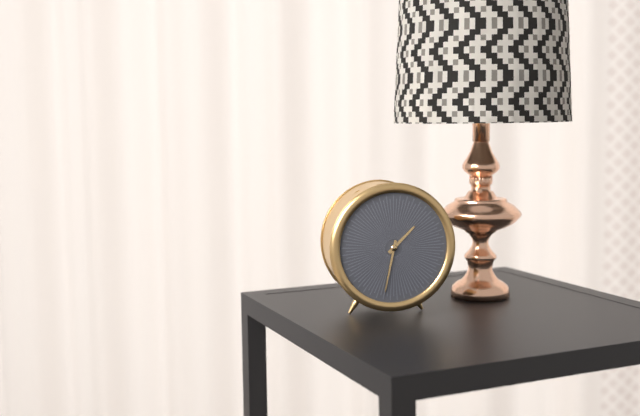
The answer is 1:32
